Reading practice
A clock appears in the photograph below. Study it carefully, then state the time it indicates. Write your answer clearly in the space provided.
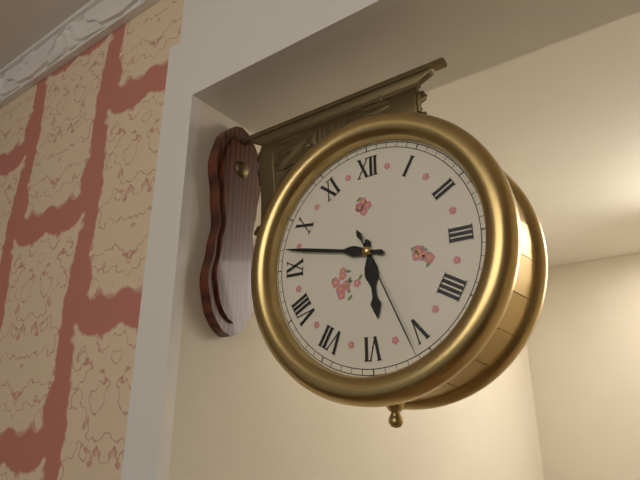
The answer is 5:47:26
